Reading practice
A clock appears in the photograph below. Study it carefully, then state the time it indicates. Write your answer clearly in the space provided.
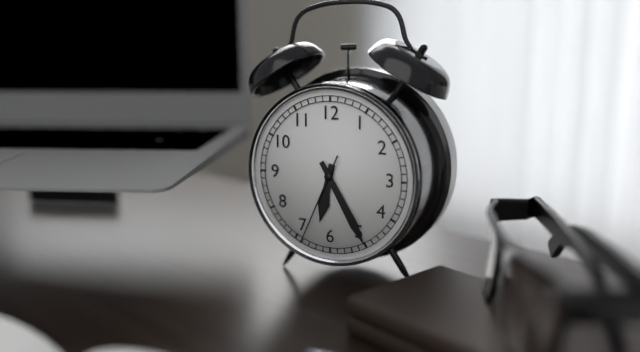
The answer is 6:25:34
